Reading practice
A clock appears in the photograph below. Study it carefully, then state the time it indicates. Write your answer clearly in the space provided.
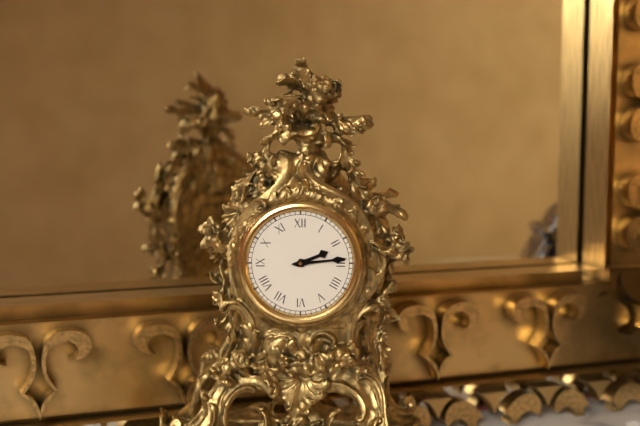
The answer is 2:14
